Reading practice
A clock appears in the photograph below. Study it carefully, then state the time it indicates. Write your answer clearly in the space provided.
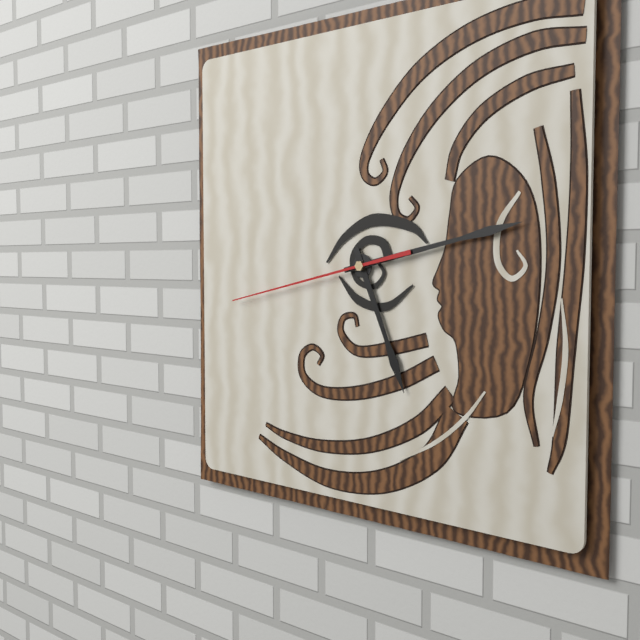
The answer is 5:13:43
